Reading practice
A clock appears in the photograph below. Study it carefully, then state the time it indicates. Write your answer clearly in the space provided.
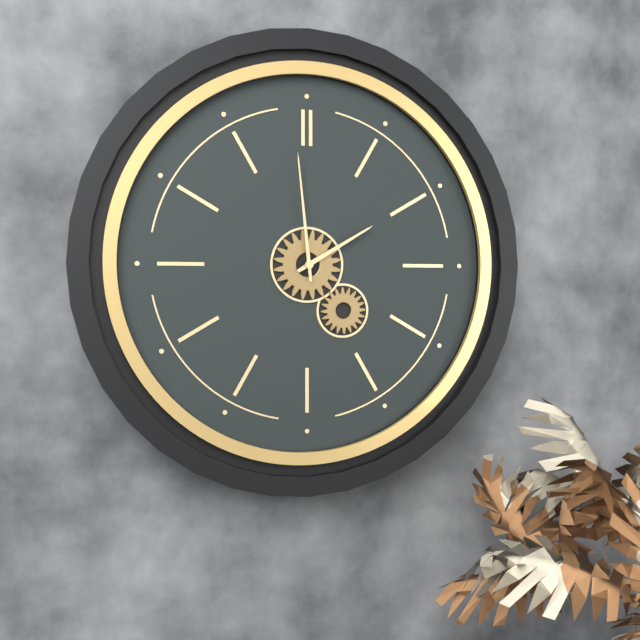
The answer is 1:59
